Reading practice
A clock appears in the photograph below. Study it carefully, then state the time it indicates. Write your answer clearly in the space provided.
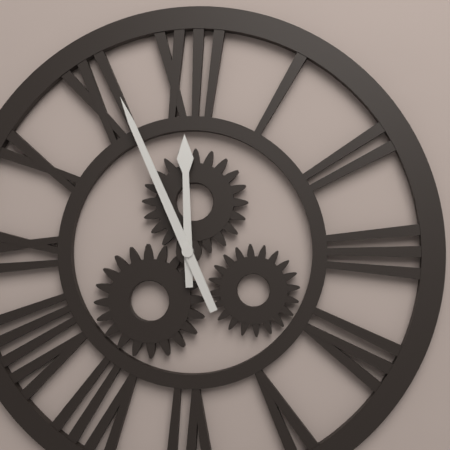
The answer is 11:56
